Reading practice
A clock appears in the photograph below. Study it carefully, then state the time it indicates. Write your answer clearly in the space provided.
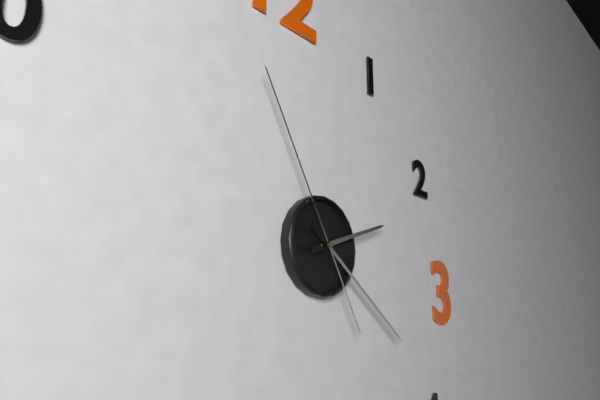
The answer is 2:21:55
